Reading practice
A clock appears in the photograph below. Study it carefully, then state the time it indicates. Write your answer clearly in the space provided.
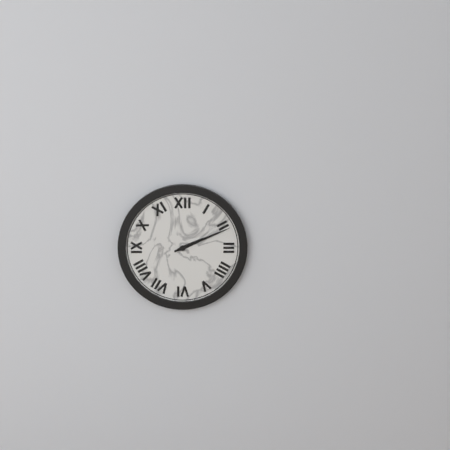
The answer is 2:11
